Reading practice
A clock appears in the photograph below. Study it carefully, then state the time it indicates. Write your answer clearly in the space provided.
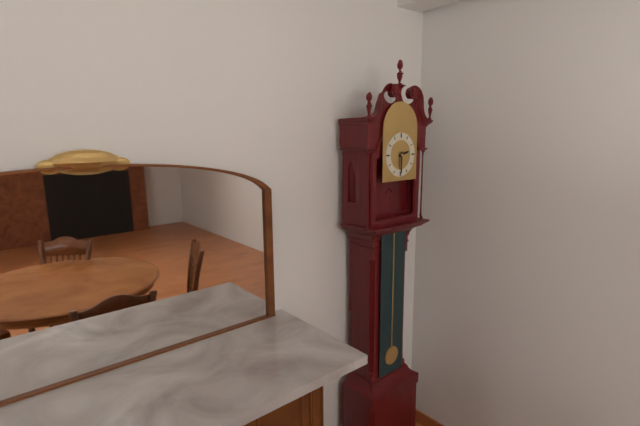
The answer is 2:30
